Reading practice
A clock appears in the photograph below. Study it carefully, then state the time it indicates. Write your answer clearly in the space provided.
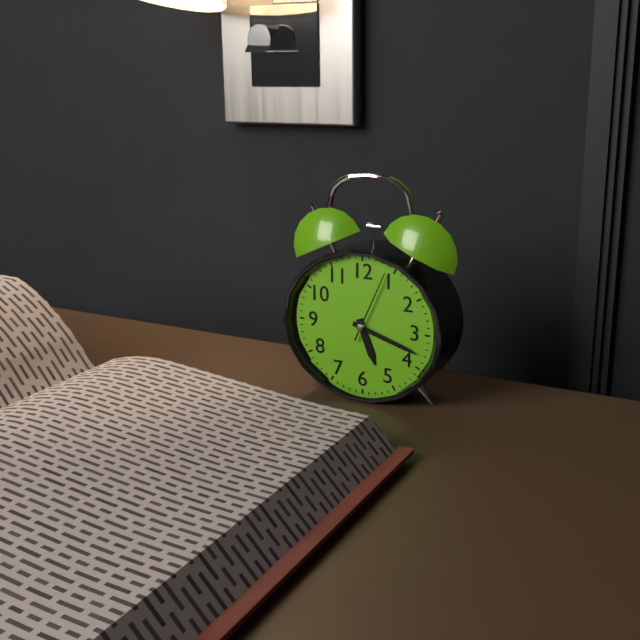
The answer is 5:18:04
